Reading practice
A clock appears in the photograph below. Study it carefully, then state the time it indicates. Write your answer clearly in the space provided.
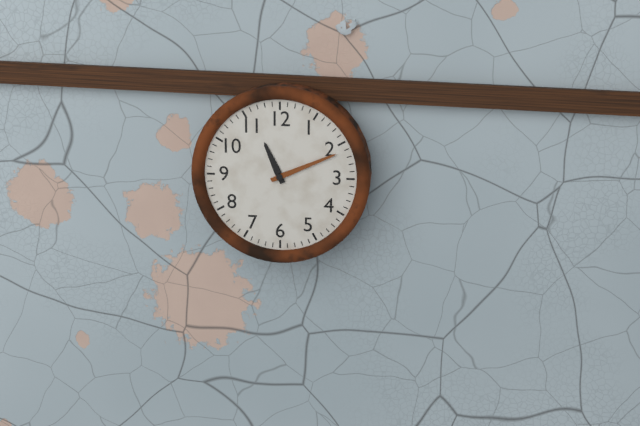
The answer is 11:11
